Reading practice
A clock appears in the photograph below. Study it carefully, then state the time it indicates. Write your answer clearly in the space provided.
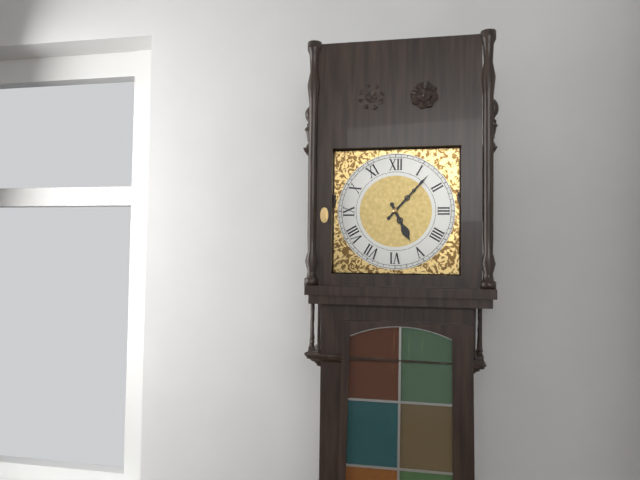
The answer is 5:07
